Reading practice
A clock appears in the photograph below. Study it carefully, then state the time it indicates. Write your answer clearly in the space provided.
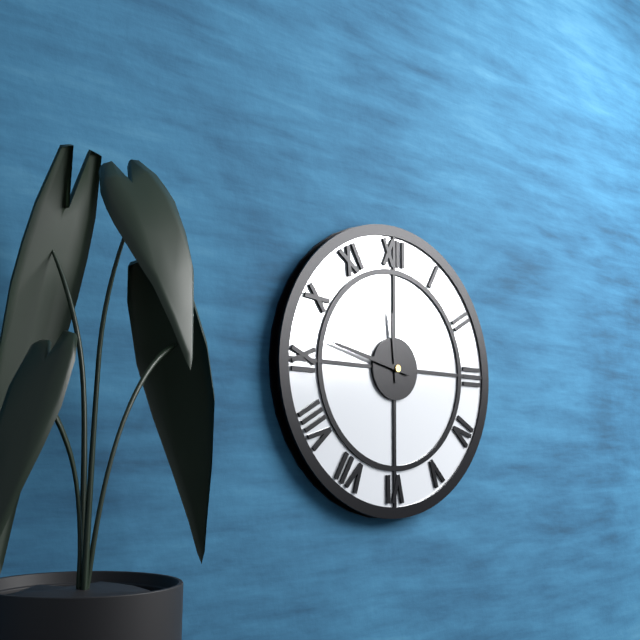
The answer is 11:47
